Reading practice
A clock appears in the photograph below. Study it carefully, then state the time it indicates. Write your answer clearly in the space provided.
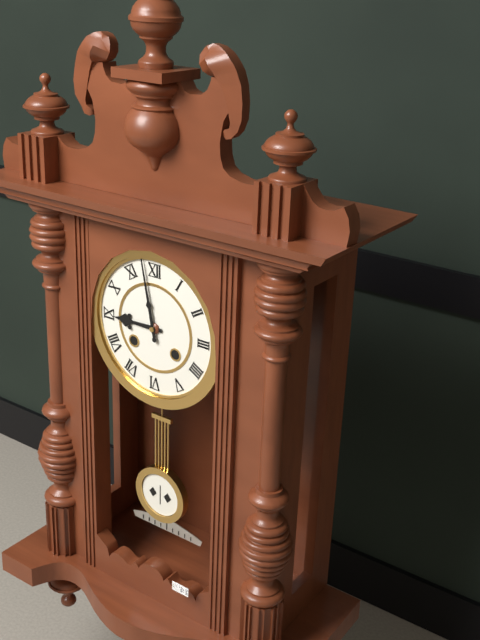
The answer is 8:58
